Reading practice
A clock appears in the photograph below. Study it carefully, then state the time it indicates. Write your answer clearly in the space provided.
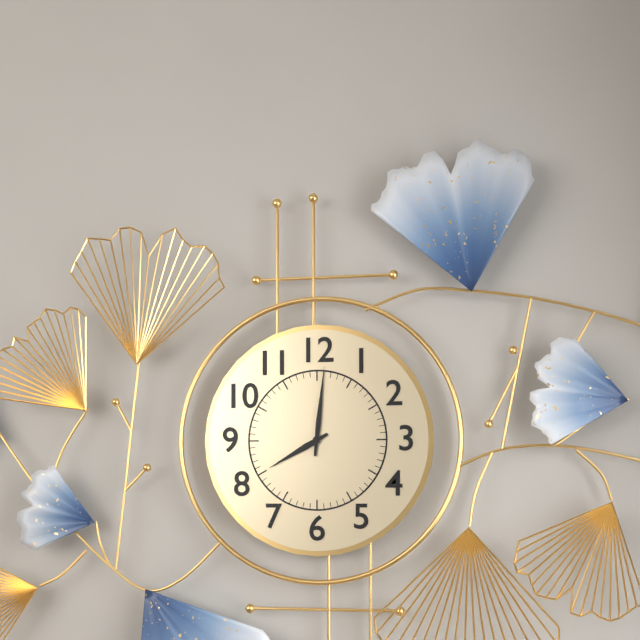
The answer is 8:01
